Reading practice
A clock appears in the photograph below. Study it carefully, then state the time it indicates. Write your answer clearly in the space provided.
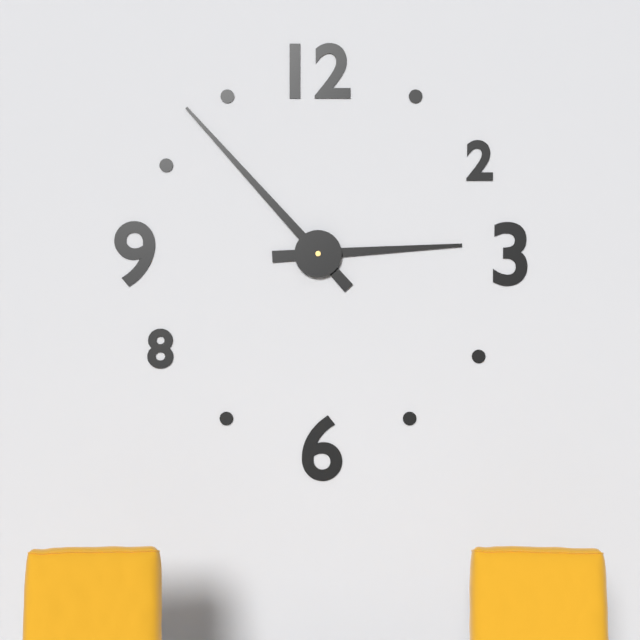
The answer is 2:53
